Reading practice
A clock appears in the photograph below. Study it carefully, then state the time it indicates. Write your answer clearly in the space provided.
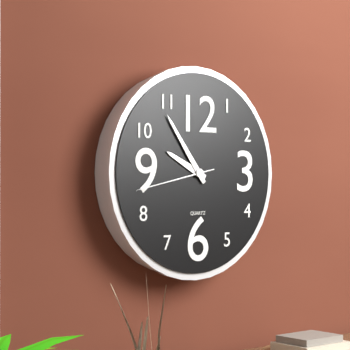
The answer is 9:54:43
